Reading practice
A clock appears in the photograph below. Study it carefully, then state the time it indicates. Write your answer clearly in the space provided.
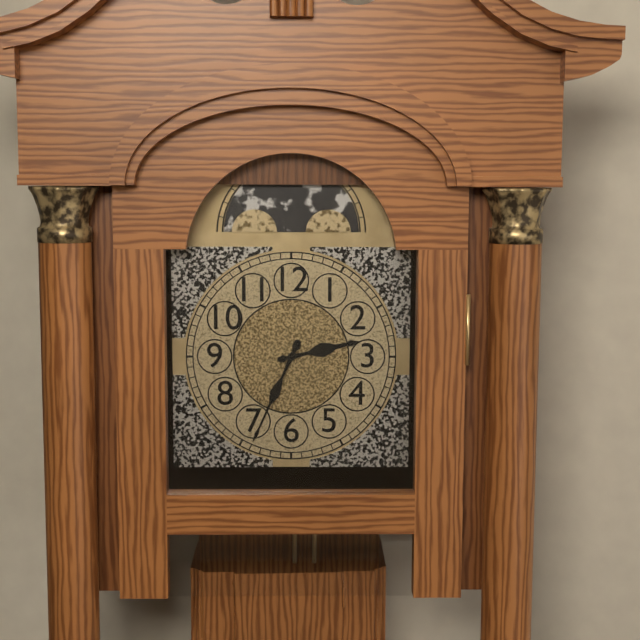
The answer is 2:34
